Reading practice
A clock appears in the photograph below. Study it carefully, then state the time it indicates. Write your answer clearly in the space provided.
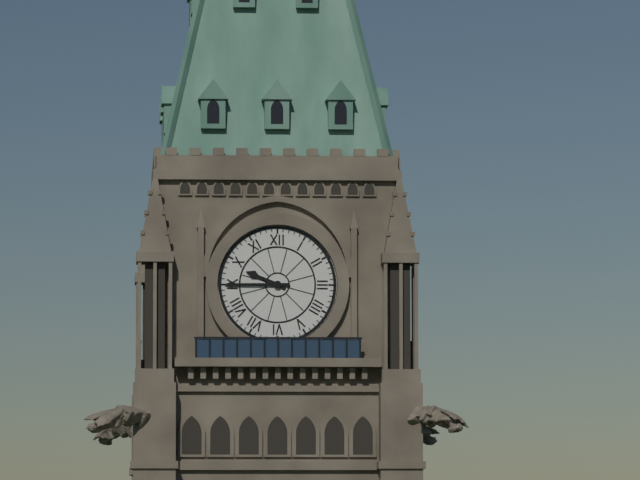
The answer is 9:45
